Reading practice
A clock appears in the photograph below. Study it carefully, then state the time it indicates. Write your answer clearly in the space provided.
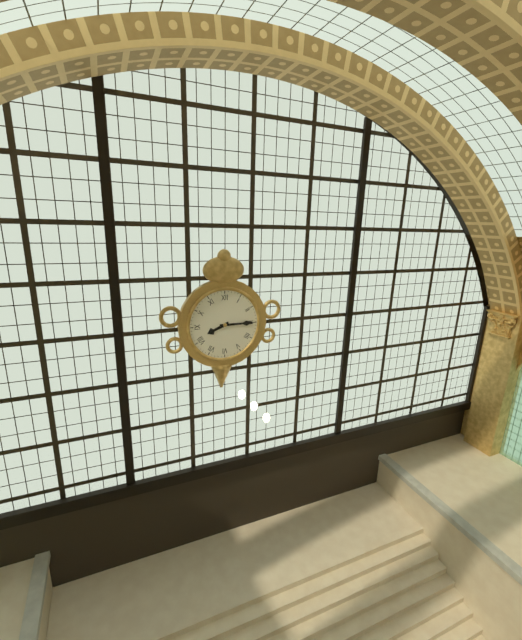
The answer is 8:15
